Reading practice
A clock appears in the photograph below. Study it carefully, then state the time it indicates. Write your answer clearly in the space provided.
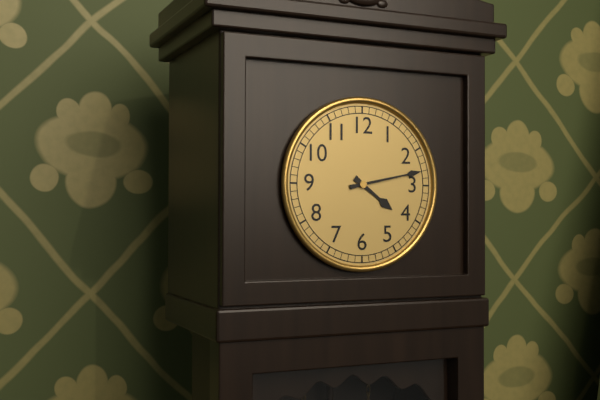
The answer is 4:13
